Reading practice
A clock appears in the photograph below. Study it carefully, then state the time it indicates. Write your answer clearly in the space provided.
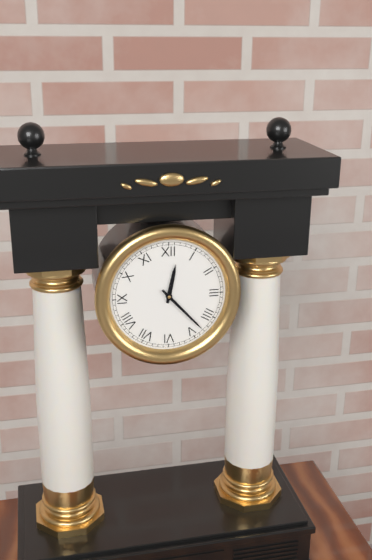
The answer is 12:23
